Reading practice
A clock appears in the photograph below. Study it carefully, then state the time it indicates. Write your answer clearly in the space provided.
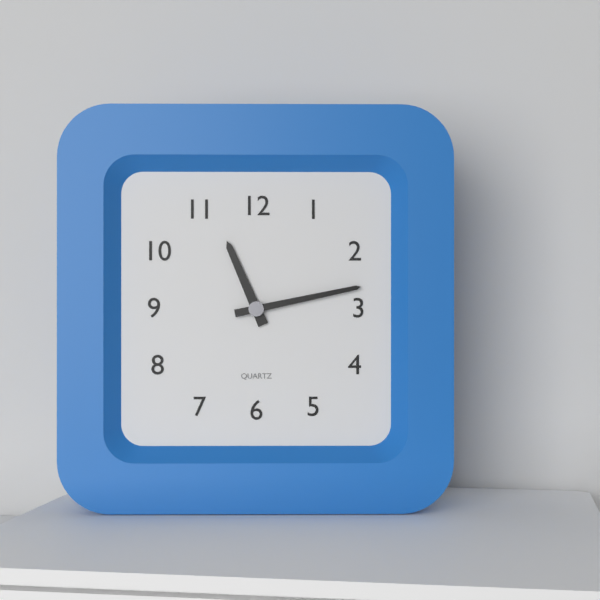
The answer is 11:13
